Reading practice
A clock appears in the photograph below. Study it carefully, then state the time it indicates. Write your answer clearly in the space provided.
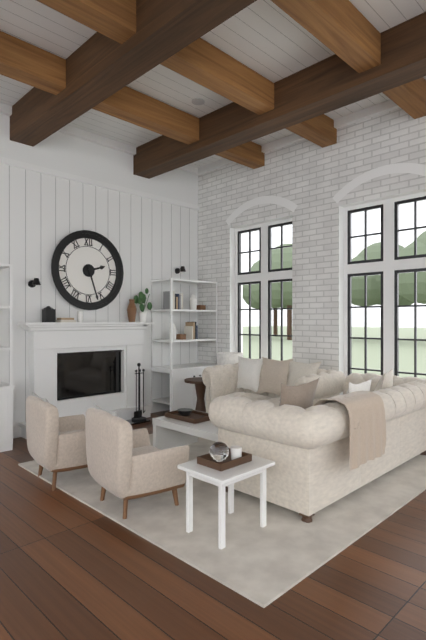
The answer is 2:27
